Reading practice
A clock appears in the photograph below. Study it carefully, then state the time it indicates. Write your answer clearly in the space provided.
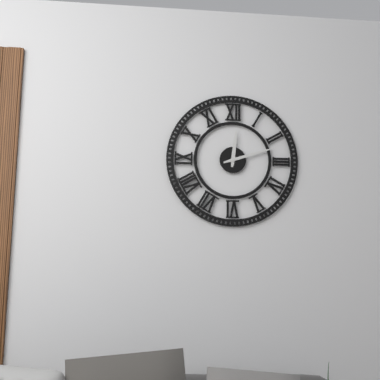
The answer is 12:12
